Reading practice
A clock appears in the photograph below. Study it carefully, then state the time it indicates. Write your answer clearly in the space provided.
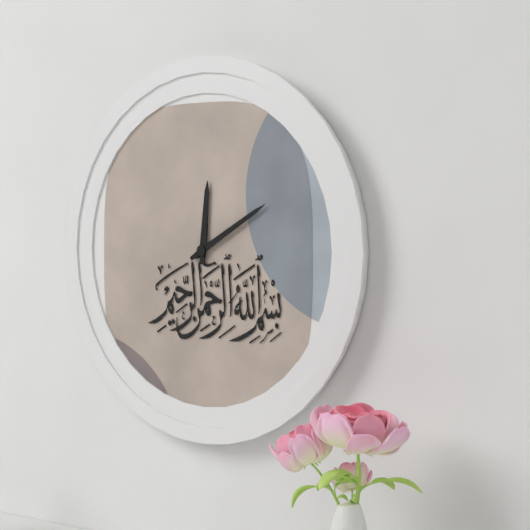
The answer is 12:10
